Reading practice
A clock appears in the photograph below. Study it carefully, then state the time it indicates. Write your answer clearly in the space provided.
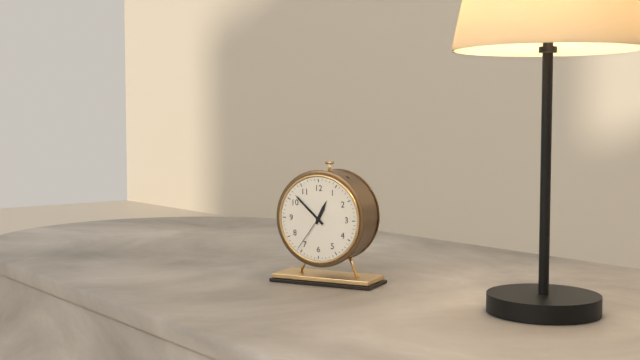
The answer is 12:52
